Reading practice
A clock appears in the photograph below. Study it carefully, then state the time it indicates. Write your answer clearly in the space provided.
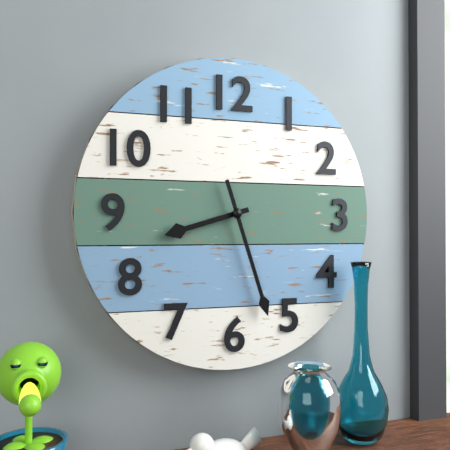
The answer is 8:27
